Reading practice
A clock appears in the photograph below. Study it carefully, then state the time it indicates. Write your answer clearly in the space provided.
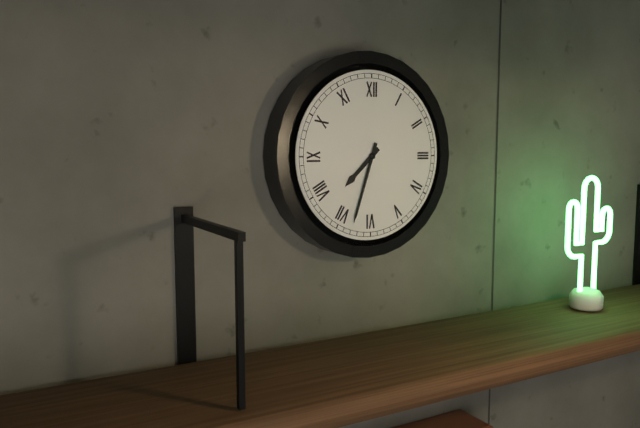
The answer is 7:33
